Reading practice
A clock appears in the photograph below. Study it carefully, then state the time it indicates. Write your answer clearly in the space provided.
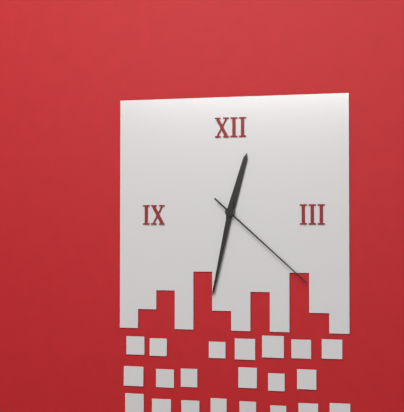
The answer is 12:32:22
